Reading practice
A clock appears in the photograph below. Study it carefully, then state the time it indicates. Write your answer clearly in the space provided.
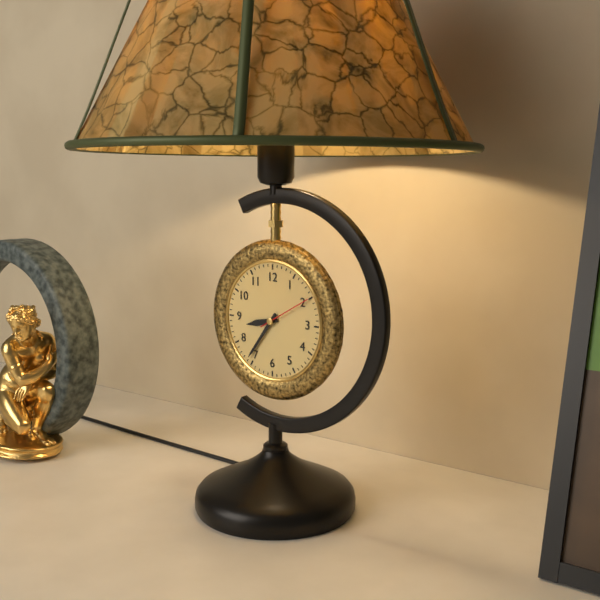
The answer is 8:36:10
